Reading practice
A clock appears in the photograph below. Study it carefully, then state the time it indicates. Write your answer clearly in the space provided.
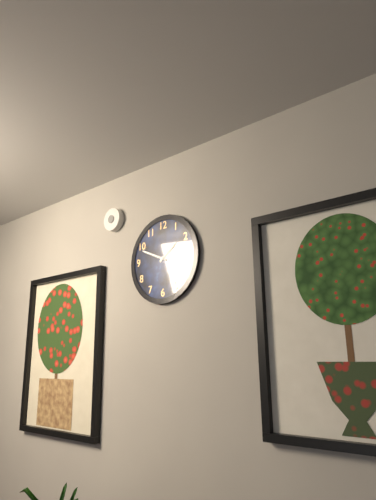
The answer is 1:49
